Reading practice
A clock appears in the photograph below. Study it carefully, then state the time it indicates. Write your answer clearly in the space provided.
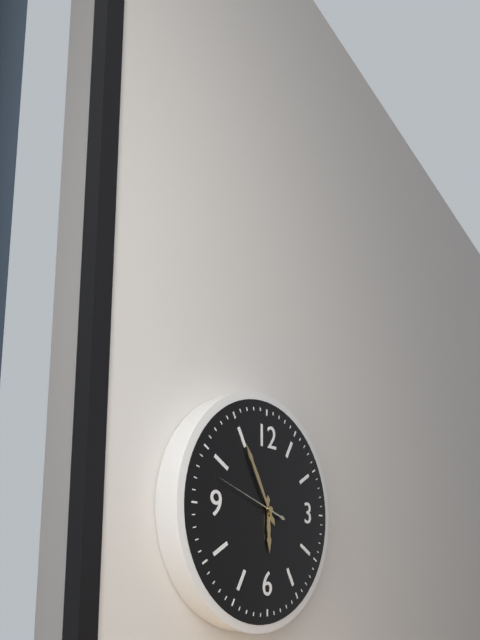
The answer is 5:55:48
